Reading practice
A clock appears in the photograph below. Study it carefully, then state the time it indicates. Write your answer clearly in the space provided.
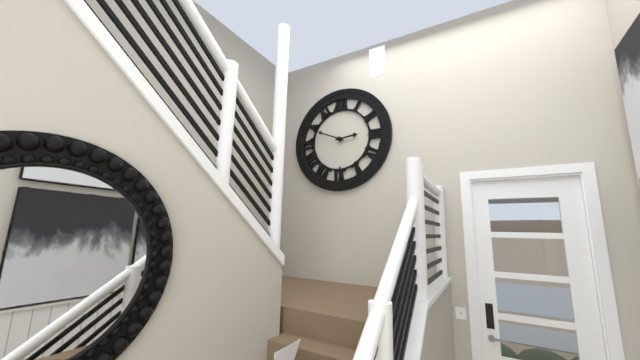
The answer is 2:49
